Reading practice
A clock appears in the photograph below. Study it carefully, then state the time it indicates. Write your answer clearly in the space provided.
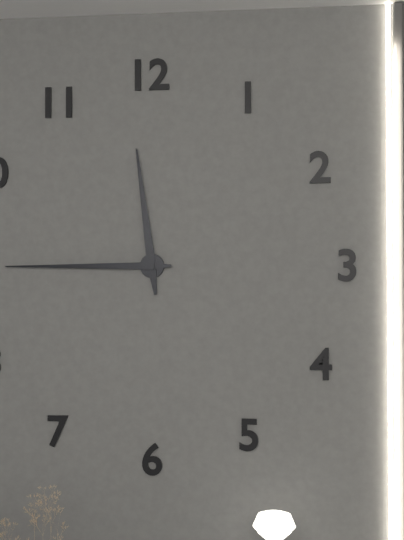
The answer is 11:45
